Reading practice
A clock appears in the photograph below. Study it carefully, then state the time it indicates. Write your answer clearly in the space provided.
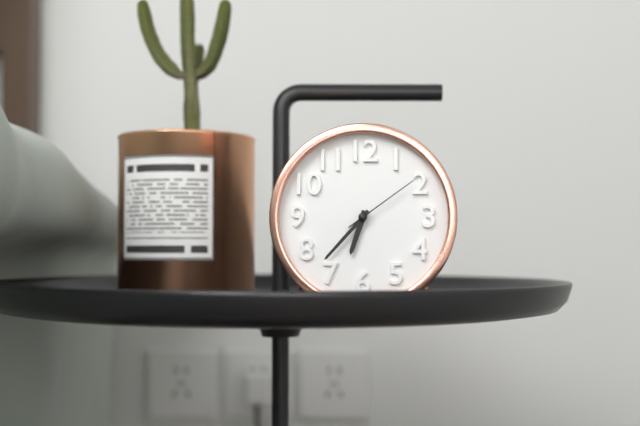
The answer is 6:37:09
